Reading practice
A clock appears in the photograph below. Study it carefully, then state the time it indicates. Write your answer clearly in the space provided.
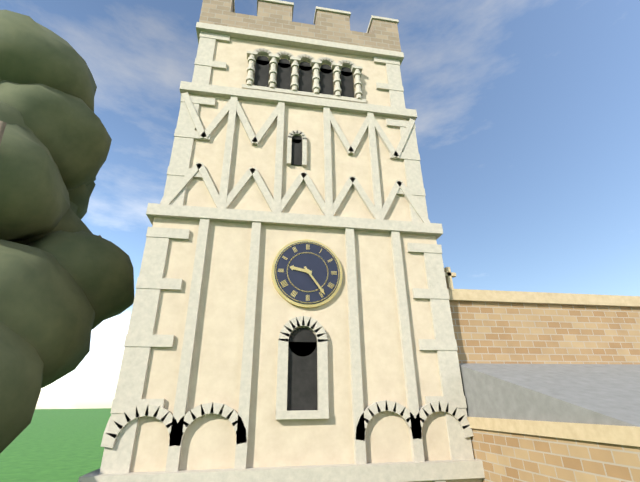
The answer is 9:24
